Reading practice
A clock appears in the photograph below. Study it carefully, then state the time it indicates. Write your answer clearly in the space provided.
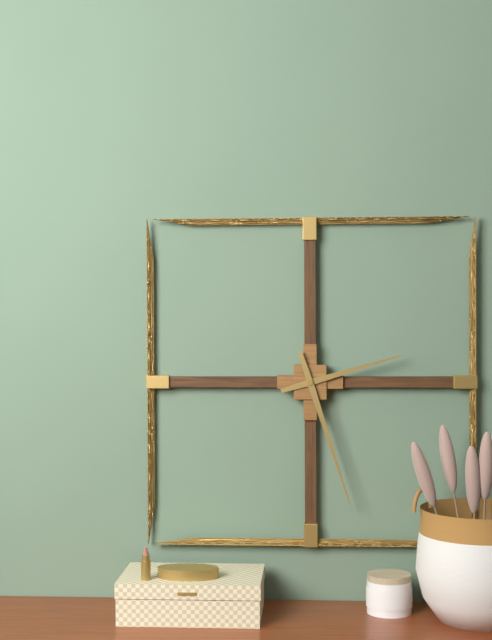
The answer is 2:27
